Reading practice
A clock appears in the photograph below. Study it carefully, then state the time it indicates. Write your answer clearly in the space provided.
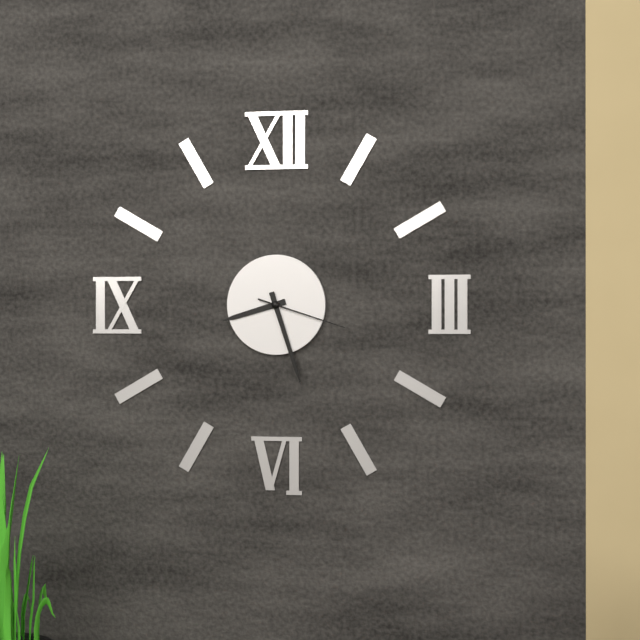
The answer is 8:27:18
